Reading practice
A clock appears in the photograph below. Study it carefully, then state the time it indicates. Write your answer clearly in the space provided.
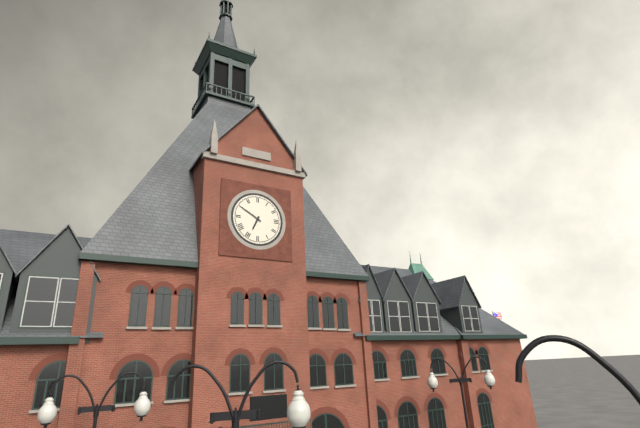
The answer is 6:50
